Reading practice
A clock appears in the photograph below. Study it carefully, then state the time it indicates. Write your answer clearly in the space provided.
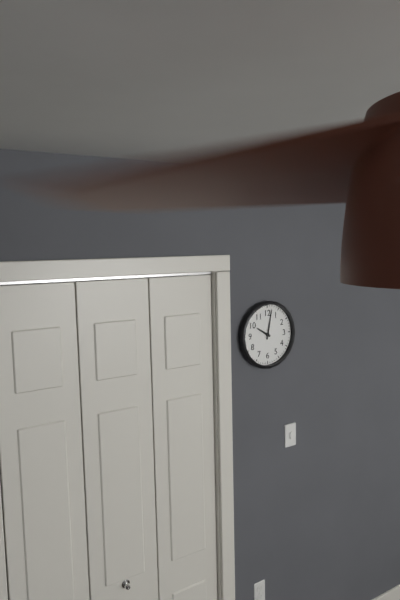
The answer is 10:02
